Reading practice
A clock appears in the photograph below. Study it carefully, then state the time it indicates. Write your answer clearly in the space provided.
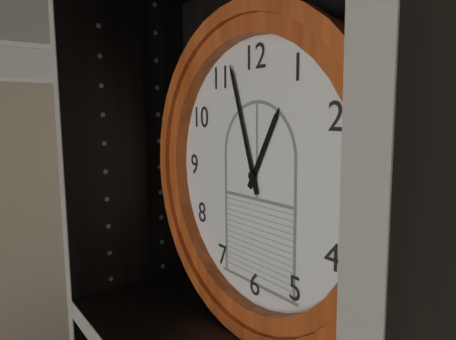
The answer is 12:57
